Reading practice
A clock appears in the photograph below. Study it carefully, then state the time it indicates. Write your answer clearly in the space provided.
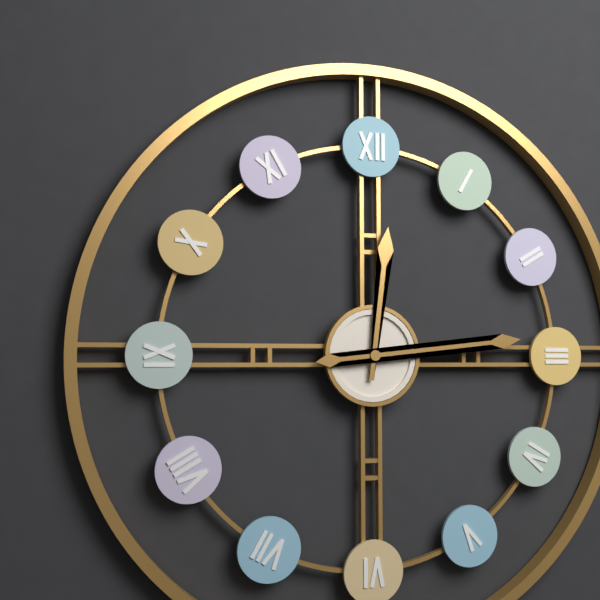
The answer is 12:14
